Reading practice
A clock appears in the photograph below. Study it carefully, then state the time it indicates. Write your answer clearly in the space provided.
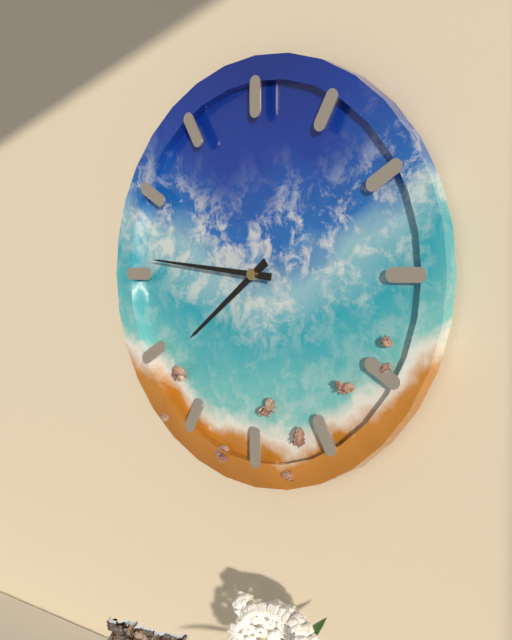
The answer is 7:46
